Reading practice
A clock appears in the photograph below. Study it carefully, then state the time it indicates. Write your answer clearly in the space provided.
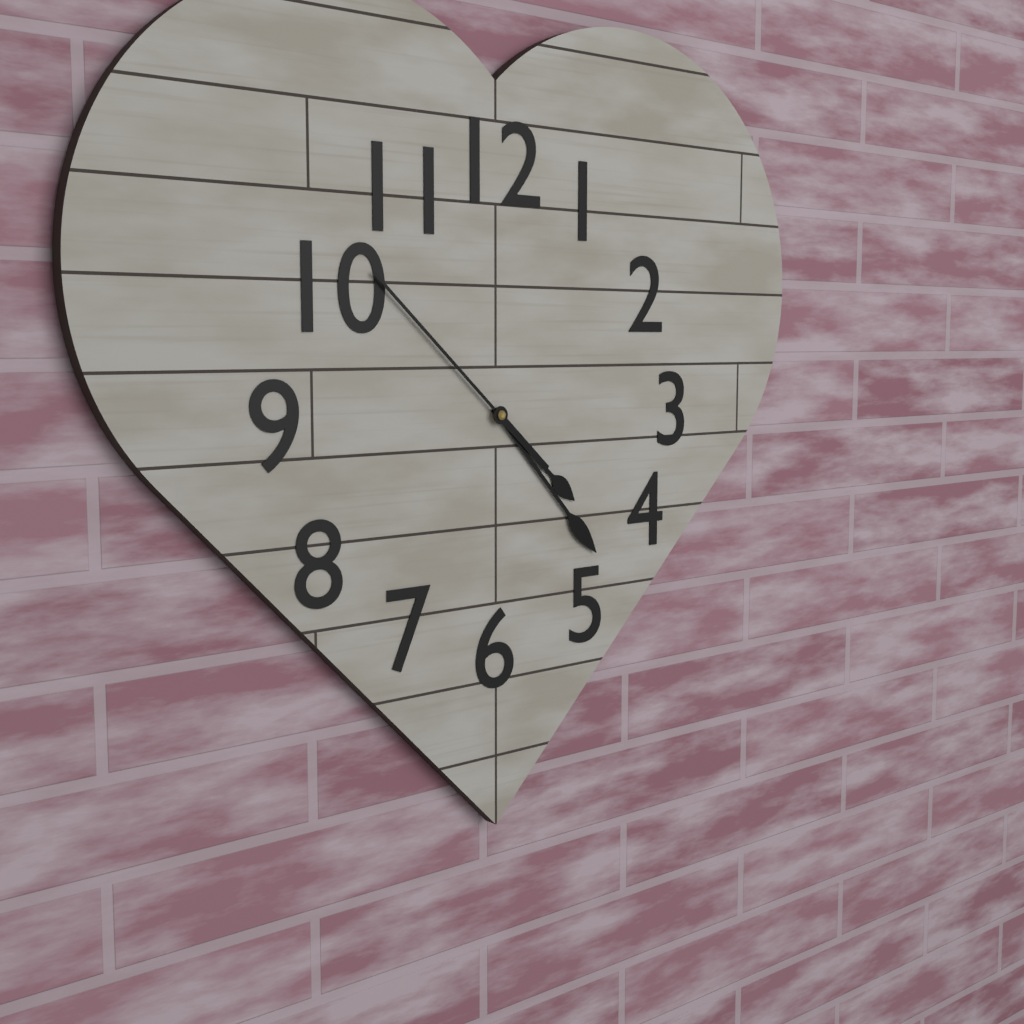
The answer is 4:23:52
